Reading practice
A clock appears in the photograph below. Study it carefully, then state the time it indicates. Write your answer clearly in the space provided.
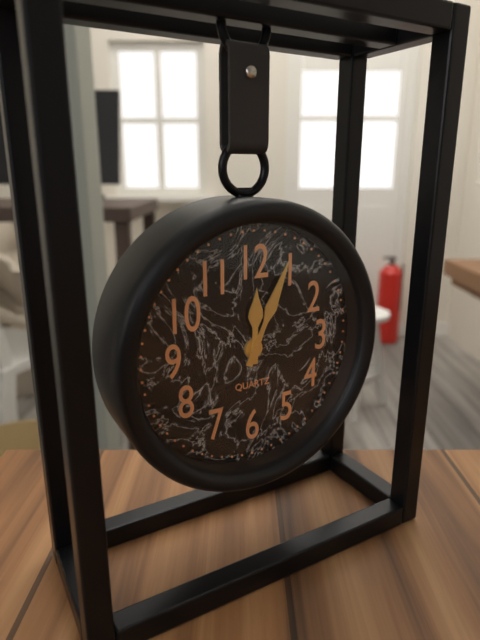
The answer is 12:04
